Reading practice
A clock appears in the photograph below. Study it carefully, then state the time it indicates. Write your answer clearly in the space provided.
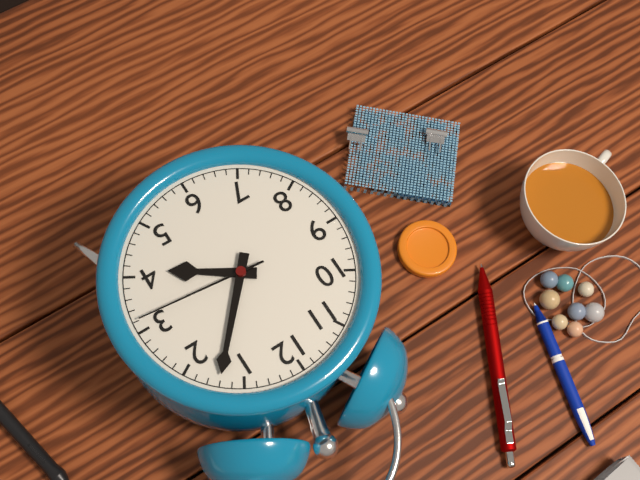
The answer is 4:07:16
